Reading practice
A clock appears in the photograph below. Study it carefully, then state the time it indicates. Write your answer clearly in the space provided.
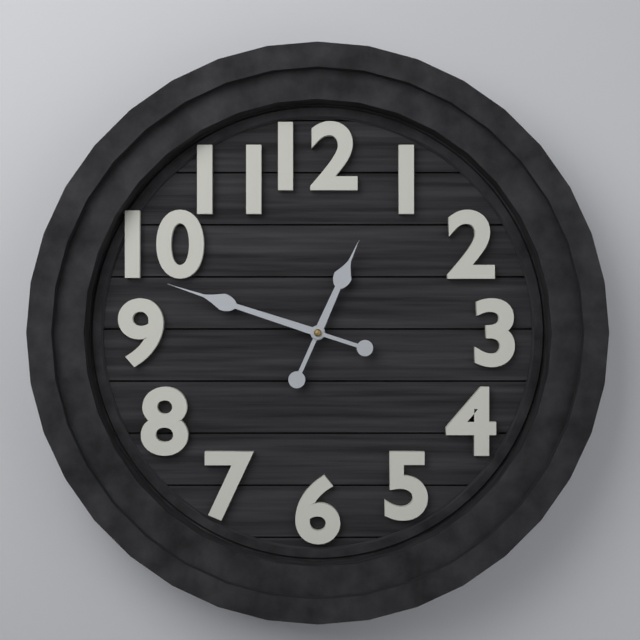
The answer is 12:48
